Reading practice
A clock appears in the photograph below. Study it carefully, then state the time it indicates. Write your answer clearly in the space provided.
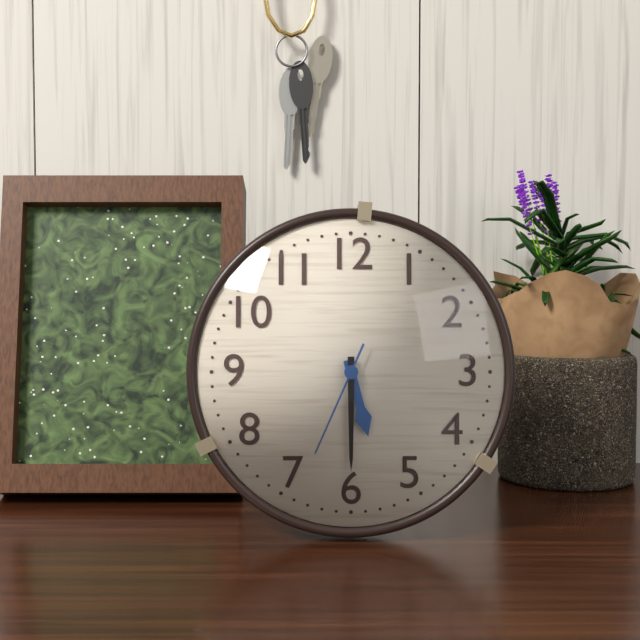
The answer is 5:30:34
